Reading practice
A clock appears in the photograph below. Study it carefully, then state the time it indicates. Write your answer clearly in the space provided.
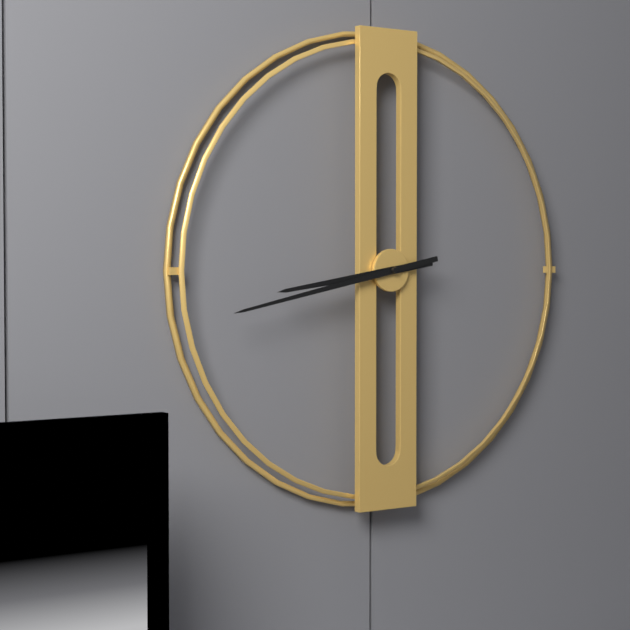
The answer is 8:43
